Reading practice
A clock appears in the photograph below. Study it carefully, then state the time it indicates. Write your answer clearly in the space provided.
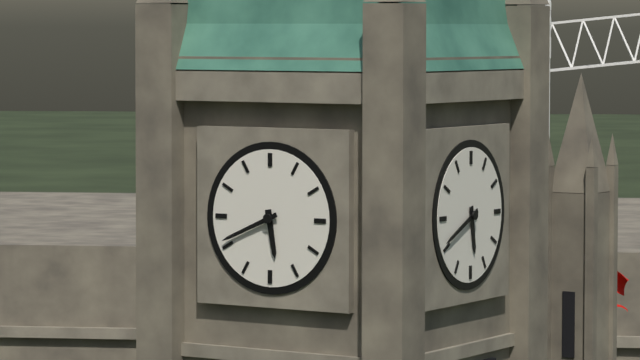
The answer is 5:41
